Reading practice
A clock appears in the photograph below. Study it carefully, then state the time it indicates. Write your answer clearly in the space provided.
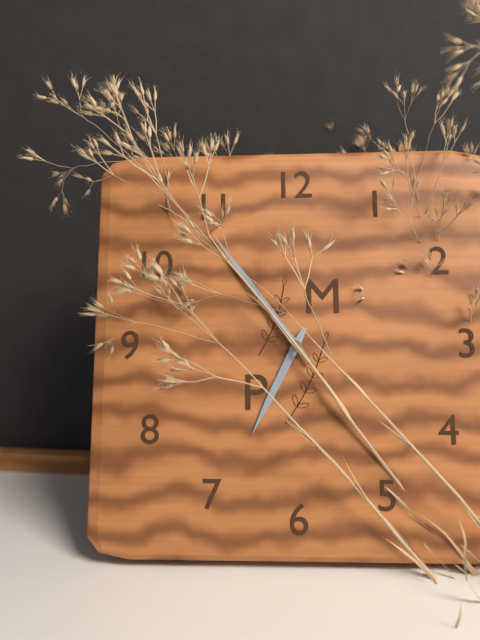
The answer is 6:54
